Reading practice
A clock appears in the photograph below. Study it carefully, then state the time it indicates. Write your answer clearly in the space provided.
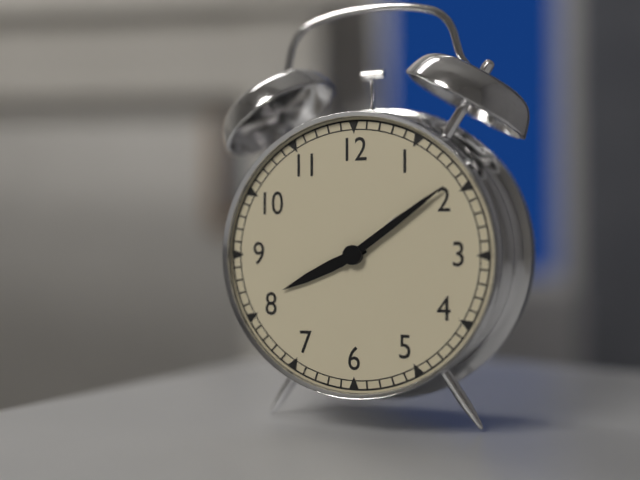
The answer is 8:09
